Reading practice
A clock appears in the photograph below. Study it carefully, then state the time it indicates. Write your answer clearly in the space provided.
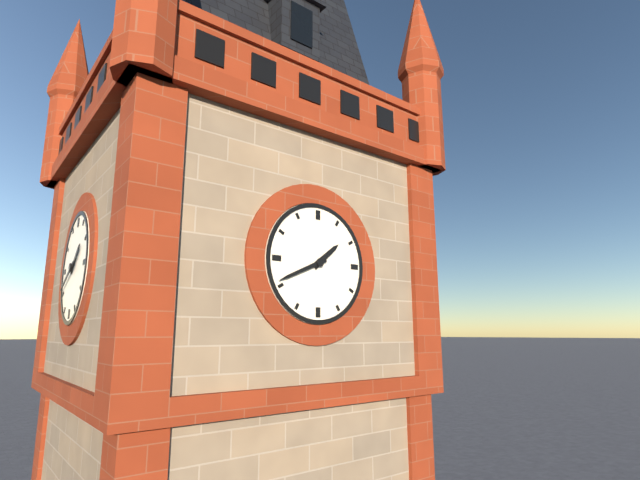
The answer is 1:41
